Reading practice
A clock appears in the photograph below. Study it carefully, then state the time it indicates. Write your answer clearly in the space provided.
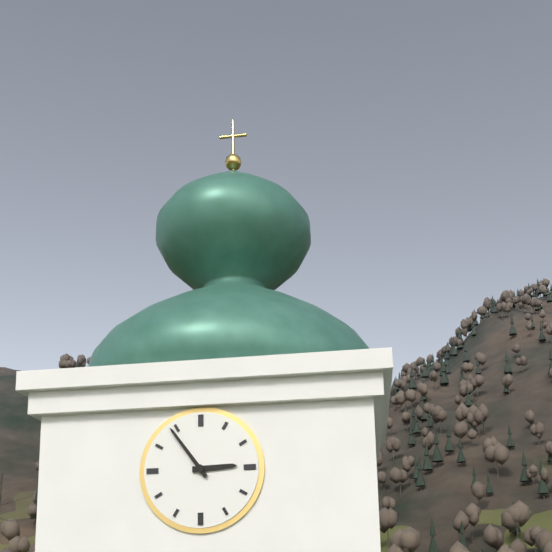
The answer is 2:54
